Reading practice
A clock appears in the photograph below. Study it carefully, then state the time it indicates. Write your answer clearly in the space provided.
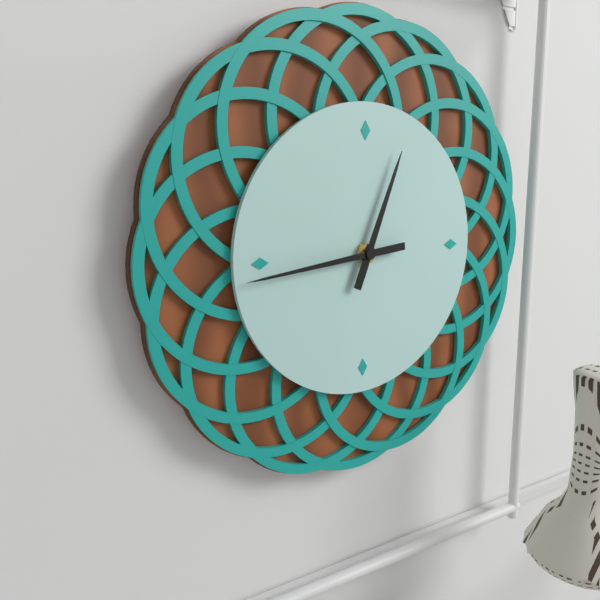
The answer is 12:44
